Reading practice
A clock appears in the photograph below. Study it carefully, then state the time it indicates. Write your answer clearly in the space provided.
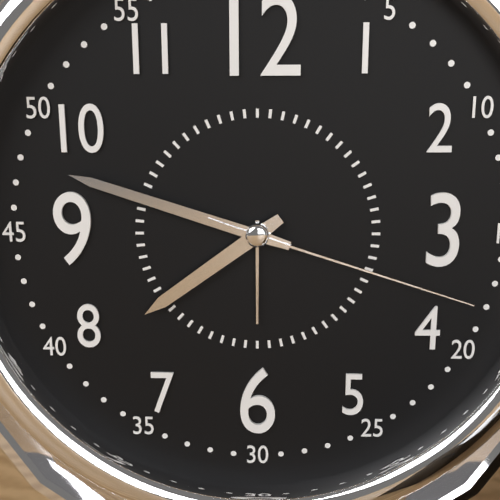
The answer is 7:48:18
